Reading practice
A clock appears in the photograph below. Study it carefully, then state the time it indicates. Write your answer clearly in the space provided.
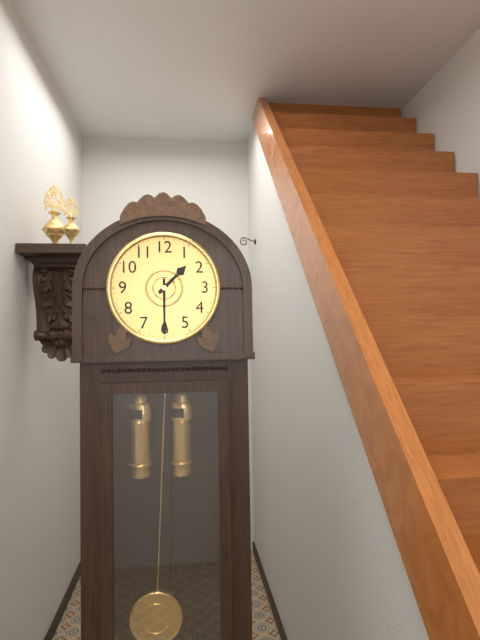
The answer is 1:30
